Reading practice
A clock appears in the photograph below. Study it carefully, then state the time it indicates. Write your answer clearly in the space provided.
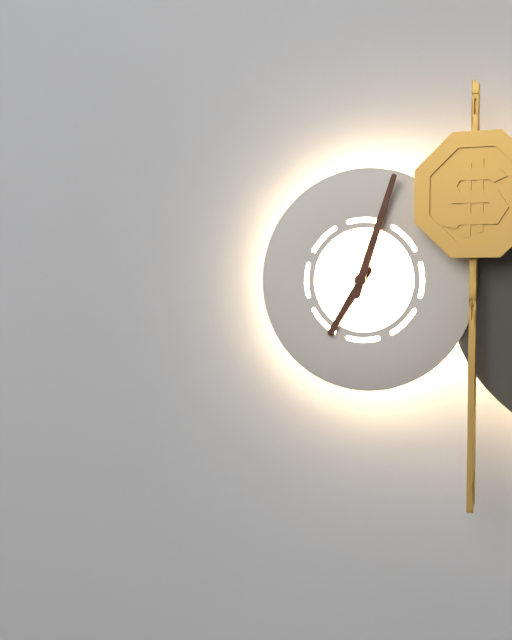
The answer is 7:03
